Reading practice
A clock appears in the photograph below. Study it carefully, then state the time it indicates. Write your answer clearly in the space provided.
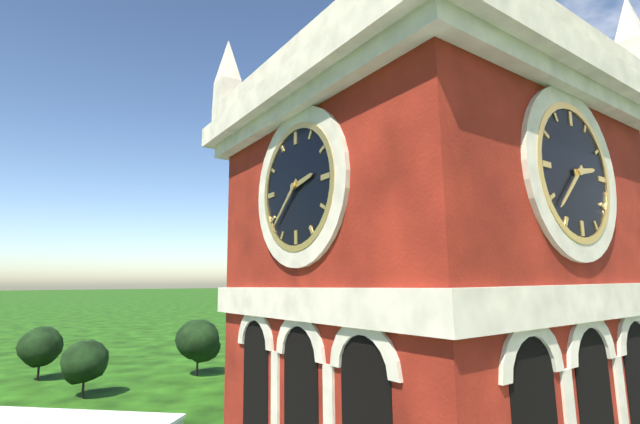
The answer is 2:38
